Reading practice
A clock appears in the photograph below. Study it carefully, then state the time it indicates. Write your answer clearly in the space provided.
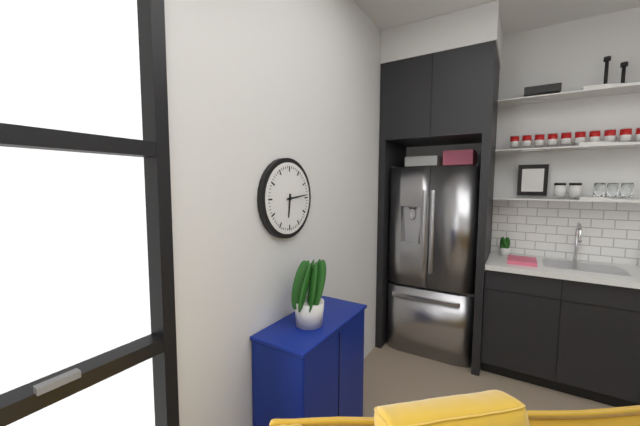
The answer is 6:14
